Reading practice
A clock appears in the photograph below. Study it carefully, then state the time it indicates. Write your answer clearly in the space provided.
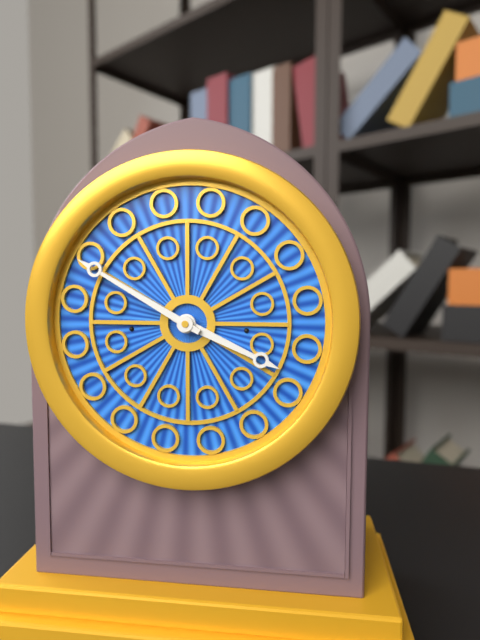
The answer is 3:50
